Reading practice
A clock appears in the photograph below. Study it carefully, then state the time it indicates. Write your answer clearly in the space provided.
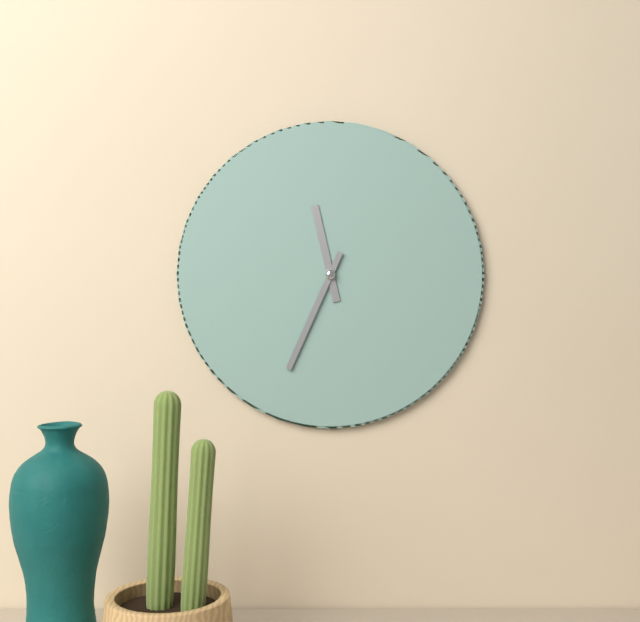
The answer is 11:34
